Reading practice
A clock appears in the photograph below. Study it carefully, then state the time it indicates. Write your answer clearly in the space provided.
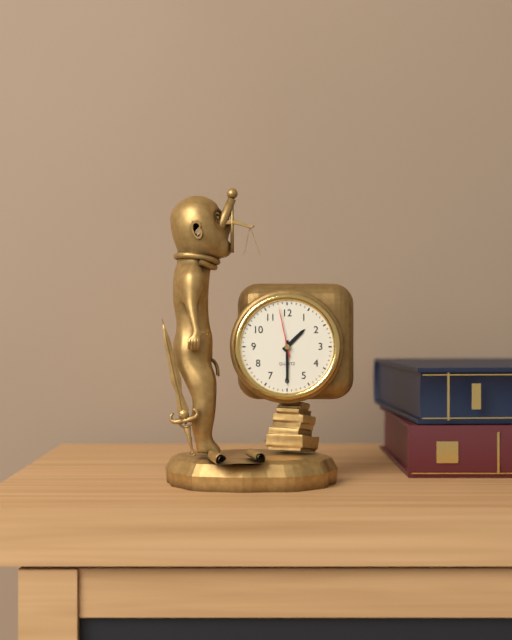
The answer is 1:30:58
